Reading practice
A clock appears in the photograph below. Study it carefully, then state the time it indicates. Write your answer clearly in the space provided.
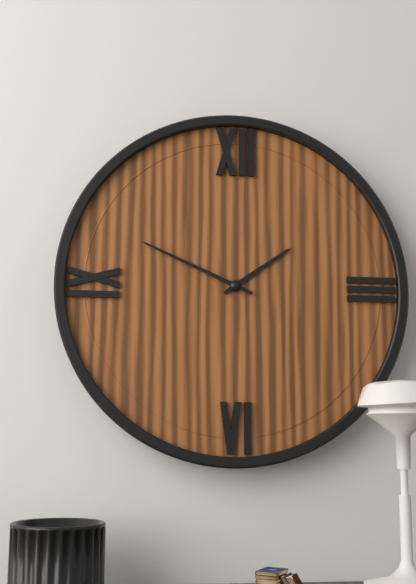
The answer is 1:49
